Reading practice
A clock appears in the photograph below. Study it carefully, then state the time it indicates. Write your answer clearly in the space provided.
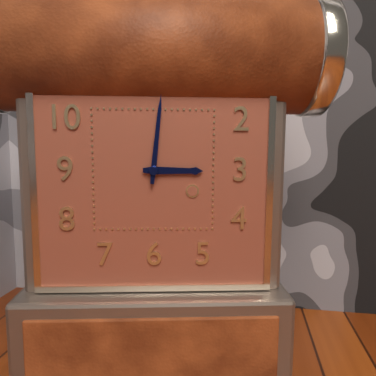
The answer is 3:01
